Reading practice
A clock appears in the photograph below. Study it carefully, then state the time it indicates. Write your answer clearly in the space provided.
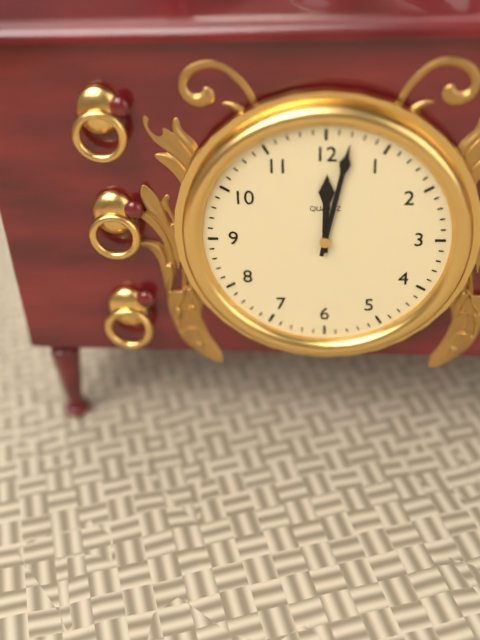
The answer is 12:02
